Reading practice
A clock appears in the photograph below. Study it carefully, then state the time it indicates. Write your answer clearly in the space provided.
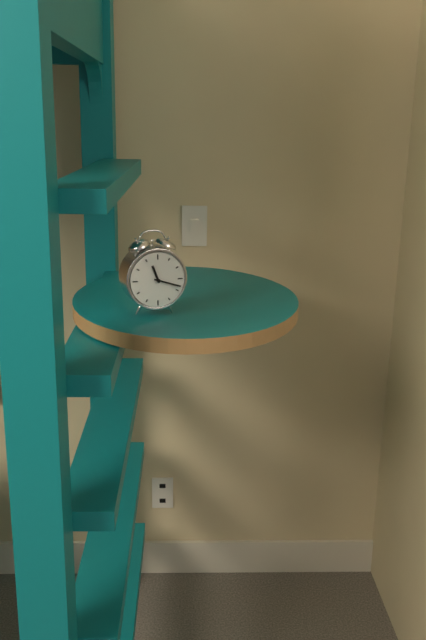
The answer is 11:18
